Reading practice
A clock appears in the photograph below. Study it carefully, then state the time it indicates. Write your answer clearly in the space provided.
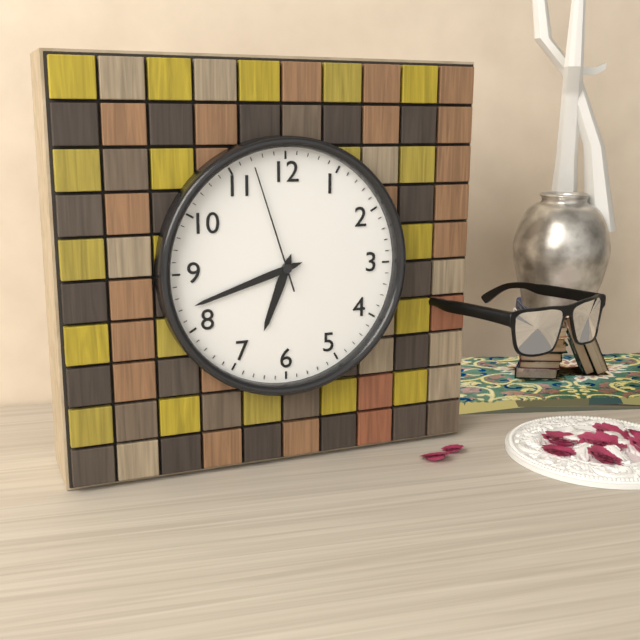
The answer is 6:42:57
